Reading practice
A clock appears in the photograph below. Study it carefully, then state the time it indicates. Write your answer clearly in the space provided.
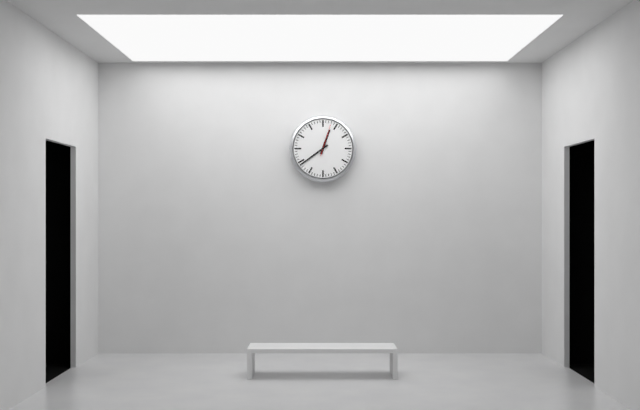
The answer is 12:39
